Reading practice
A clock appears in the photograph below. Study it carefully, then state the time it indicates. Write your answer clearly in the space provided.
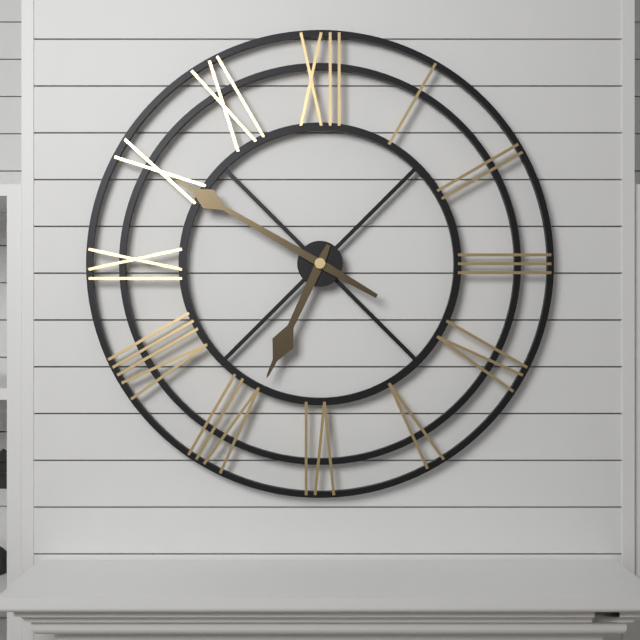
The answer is 6:50
